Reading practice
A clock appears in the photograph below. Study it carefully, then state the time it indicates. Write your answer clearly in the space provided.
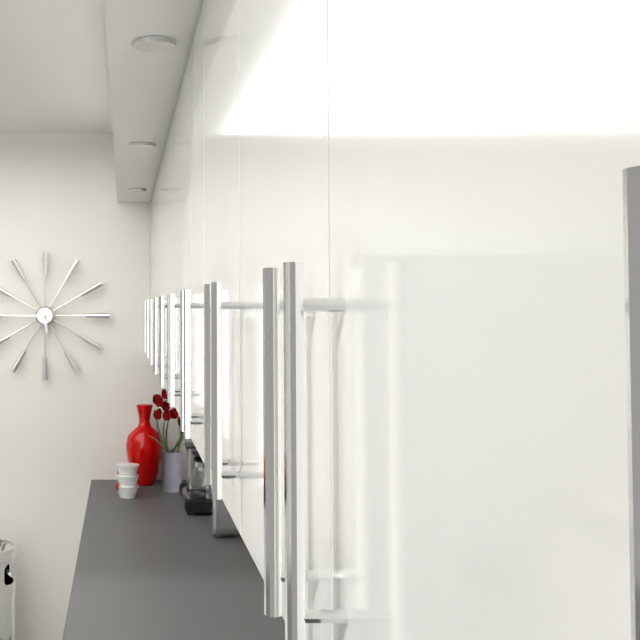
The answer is 5:45
